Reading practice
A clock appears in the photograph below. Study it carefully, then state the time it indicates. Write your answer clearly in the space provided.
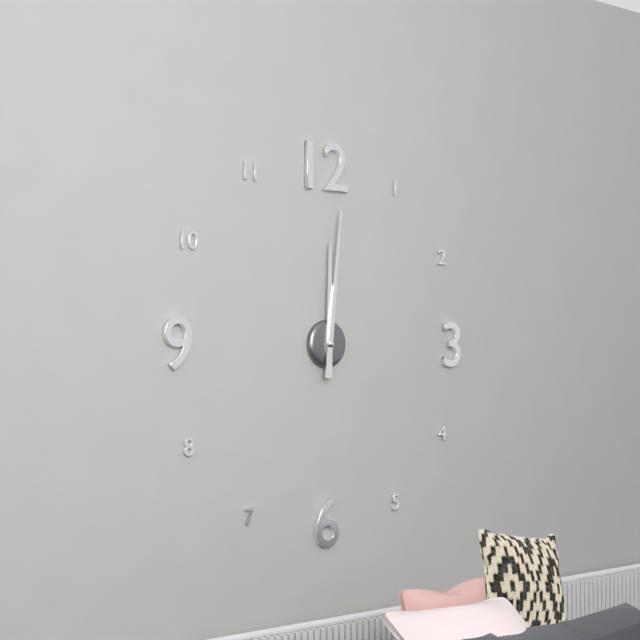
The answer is 12:01
